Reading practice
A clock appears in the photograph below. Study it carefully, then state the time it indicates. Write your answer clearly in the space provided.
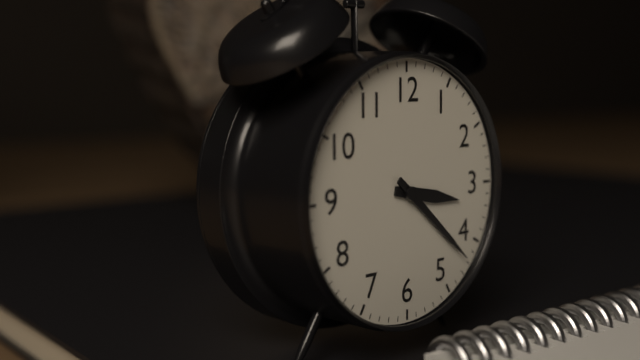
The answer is 3:22
